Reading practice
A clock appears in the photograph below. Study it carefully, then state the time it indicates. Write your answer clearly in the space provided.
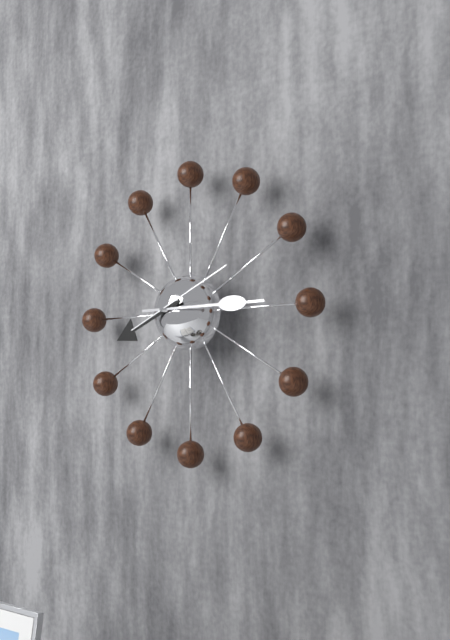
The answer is 8:15:11
